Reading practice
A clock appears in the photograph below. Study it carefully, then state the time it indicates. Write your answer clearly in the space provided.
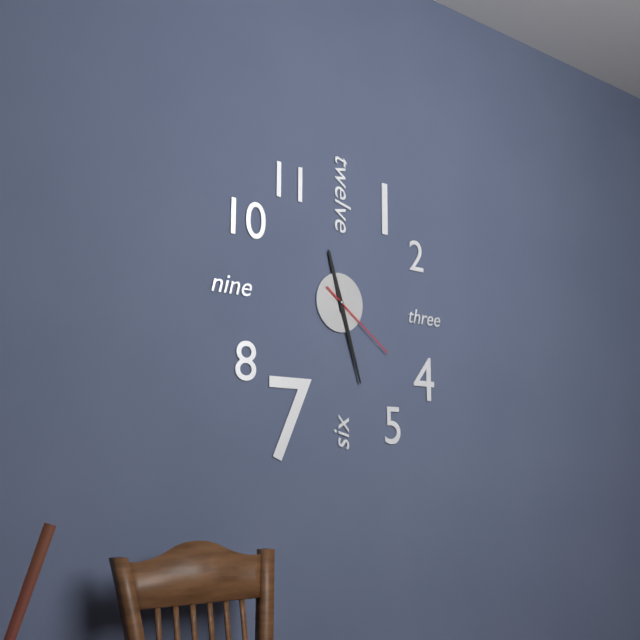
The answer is 11:27:21
